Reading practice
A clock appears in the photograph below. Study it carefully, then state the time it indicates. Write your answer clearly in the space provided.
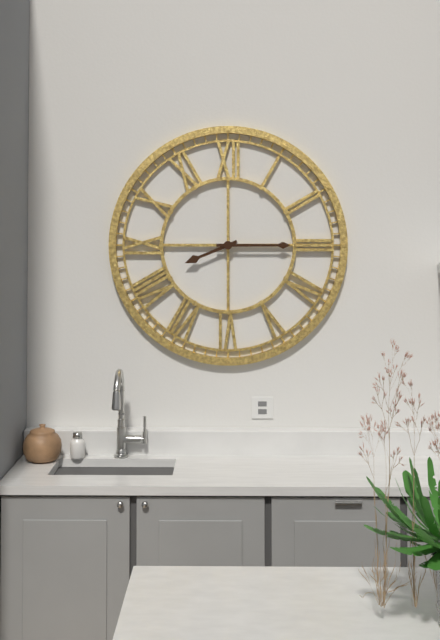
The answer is 8:15
